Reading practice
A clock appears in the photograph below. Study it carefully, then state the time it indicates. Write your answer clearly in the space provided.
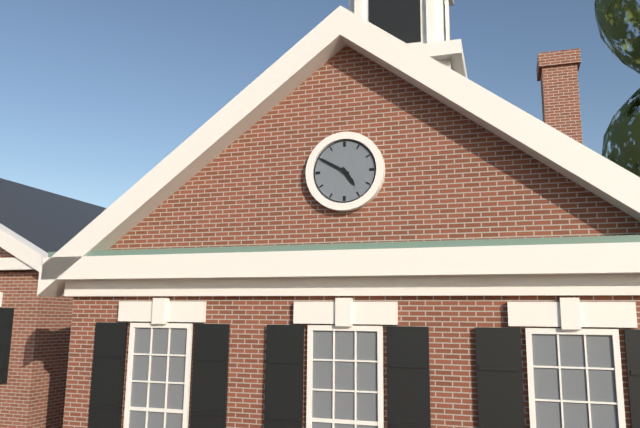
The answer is 4:50
